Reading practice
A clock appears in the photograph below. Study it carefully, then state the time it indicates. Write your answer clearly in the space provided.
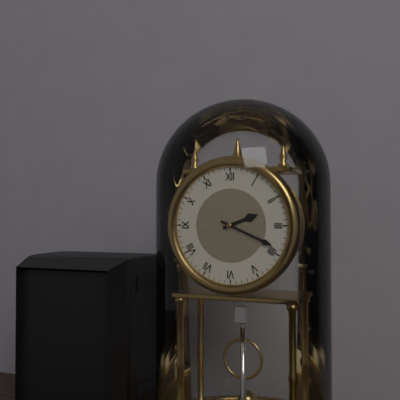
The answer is 2:19
